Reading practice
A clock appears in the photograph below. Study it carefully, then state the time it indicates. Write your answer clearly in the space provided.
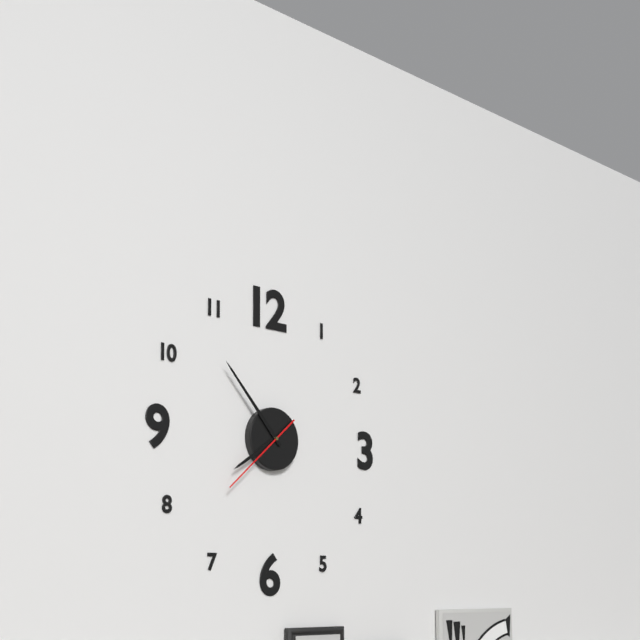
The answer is 7:53:38
